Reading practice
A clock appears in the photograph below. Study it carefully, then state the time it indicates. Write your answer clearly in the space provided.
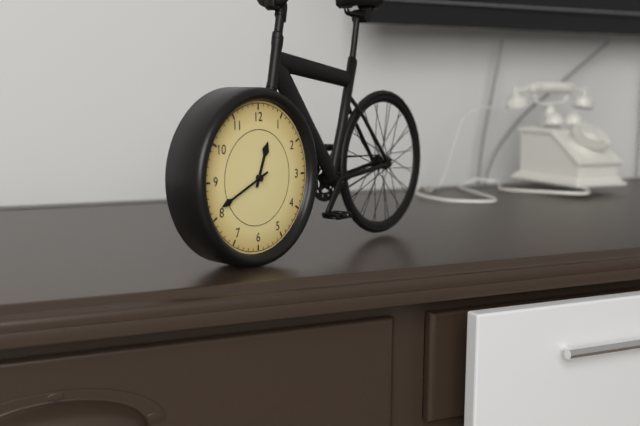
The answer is 12:41
